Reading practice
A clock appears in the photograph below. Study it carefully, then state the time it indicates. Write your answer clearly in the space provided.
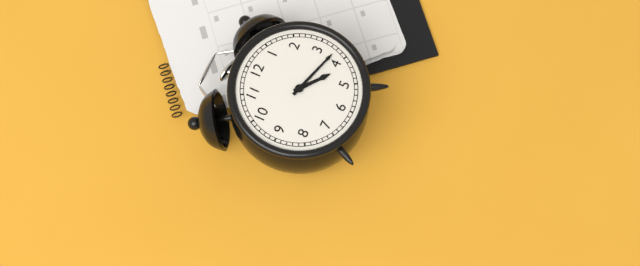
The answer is 4:18
